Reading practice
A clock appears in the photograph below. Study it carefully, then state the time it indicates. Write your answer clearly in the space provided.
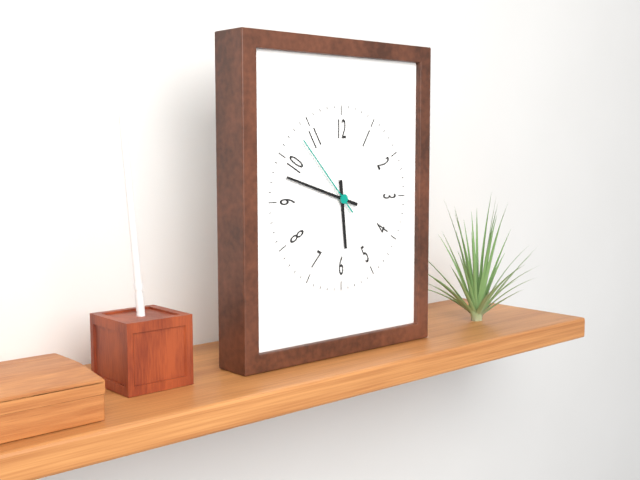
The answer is 5:48:53
